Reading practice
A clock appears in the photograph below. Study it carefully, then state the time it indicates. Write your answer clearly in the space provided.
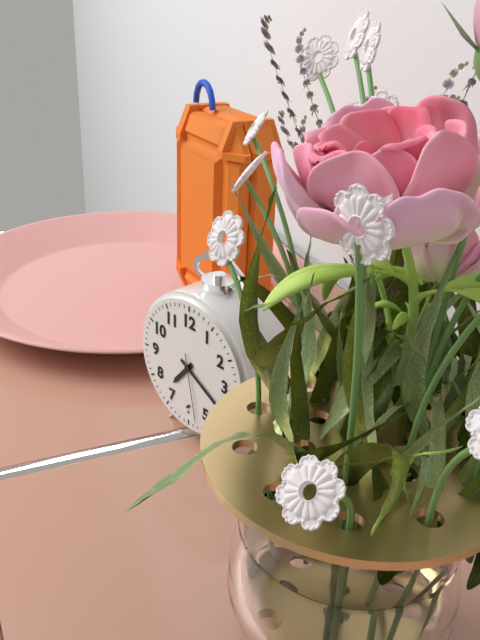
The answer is 7:20:28
